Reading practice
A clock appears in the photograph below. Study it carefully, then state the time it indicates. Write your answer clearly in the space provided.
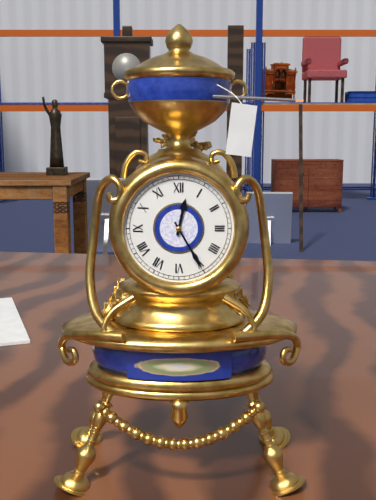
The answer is 12:25
